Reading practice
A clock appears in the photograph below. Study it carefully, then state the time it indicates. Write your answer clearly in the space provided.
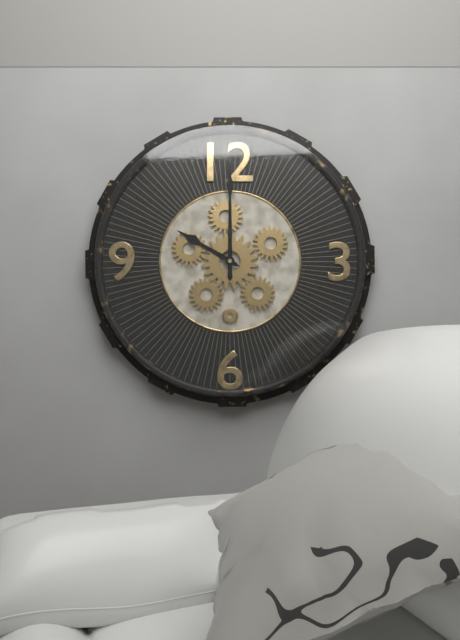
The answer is 10:00
